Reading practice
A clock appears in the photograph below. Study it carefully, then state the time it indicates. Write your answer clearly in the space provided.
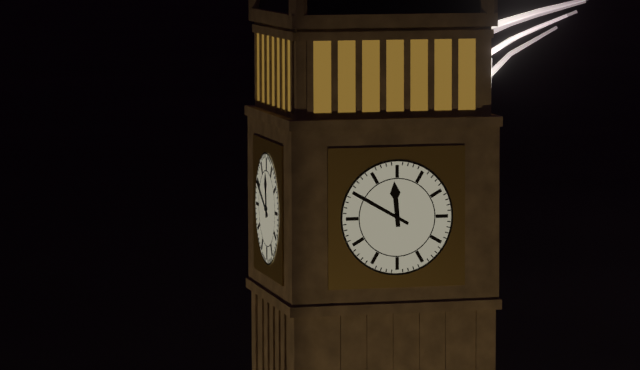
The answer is 11:50
